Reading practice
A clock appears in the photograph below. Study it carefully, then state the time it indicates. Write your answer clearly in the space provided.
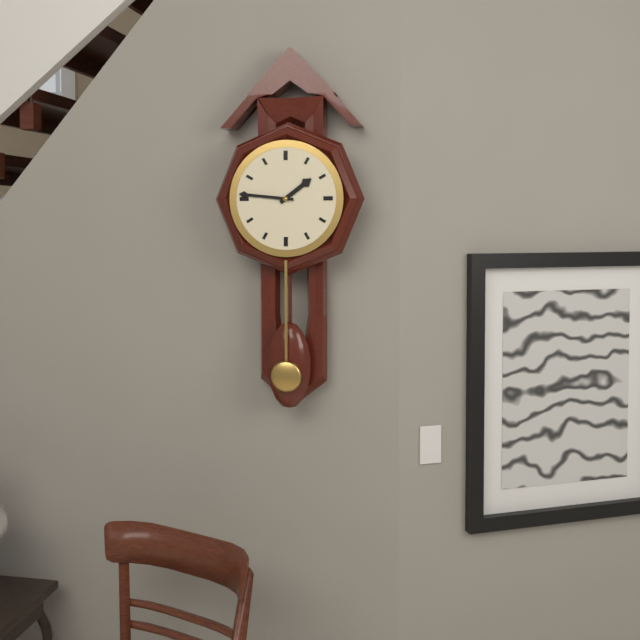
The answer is 1:46
